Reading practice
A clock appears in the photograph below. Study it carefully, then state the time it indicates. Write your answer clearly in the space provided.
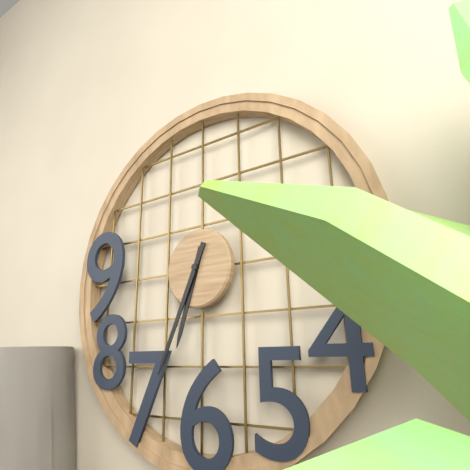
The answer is 6:34
